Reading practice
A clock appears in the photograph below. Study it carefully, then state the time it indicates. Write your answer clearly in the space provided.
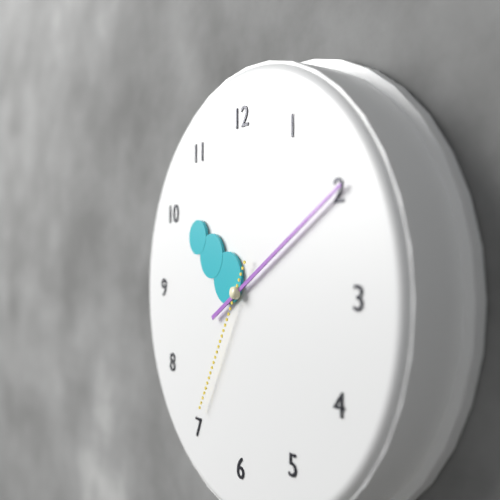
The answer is 10:10:35
